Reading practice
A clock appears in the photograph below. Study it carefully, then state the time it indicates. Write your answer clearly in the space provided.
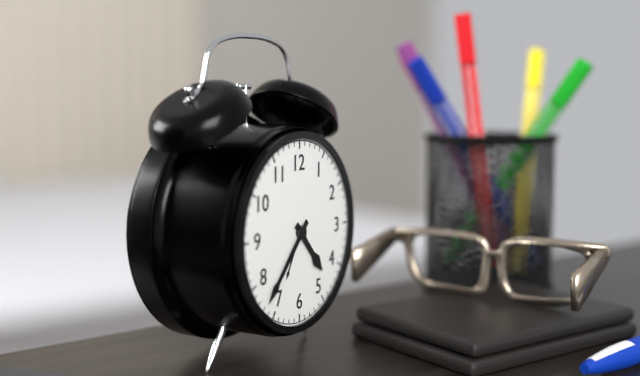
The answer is 4:37
